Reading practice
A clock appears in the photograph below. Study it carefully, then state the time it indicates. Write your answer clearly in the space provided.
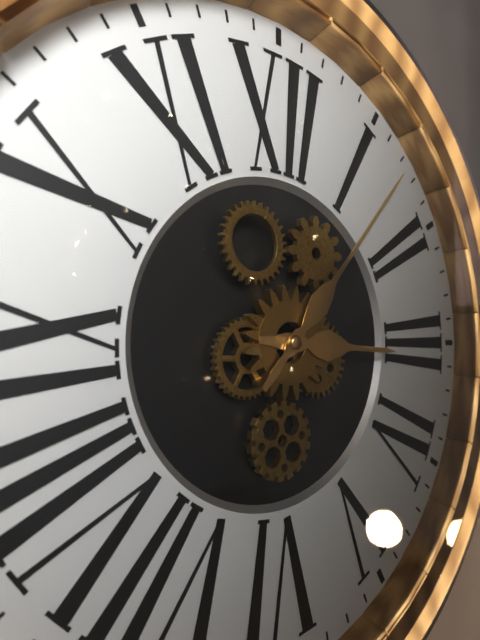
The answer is 3:07
